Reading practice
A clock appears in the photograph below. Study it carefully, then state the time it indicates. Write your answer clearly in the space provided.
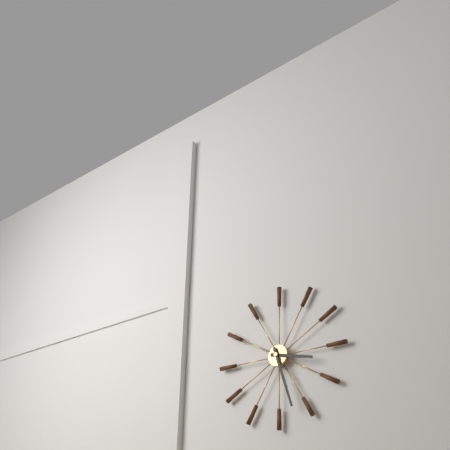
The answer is 3:27
